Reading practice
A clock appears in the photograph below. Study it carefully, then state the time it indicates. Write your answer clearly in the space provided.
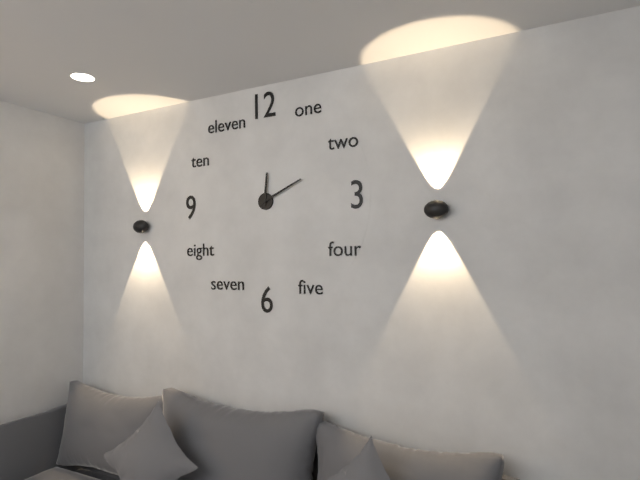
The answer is 12:11
